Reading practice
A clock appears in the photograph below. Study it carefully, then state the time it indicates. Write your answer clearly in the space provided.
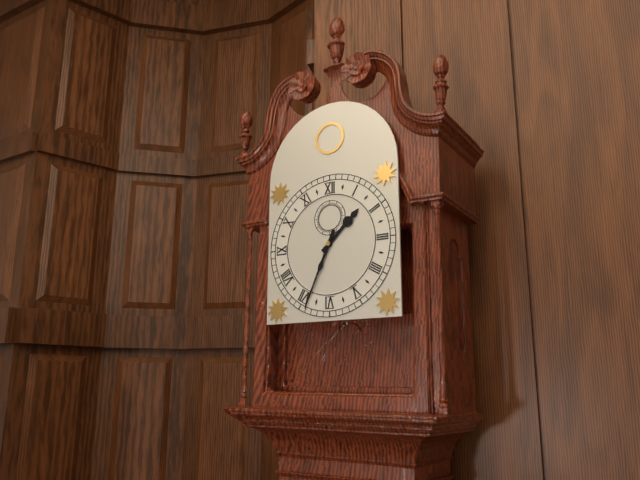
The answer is 1:34
